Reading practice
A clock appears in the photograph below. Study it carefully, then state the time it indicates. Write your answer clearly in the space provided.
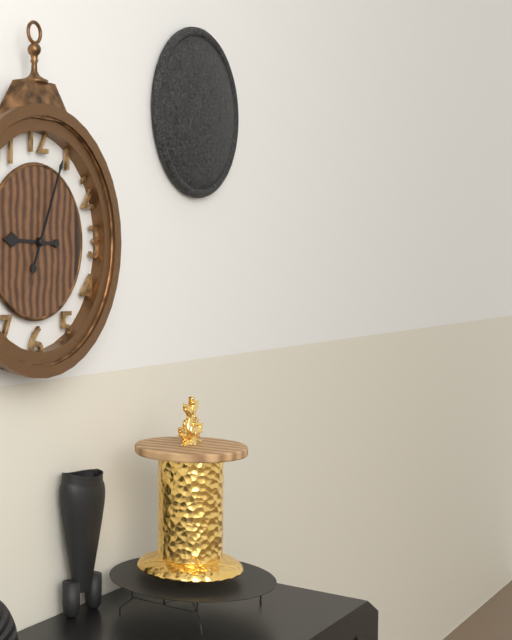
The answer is 9:04
